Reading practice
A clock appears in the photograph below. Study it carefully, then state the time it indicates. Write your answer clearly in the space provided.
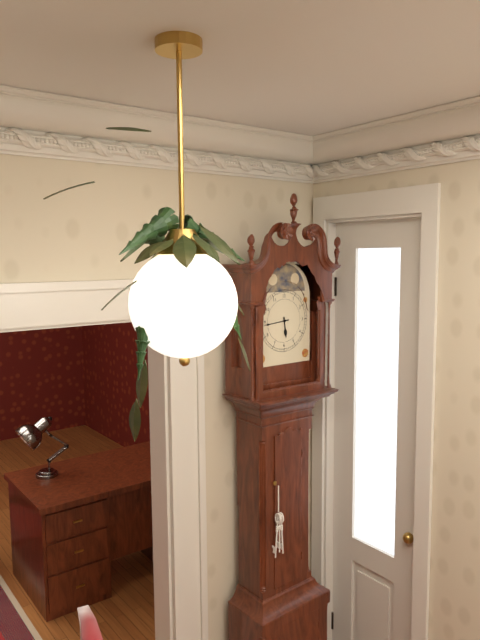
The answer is 5:44
